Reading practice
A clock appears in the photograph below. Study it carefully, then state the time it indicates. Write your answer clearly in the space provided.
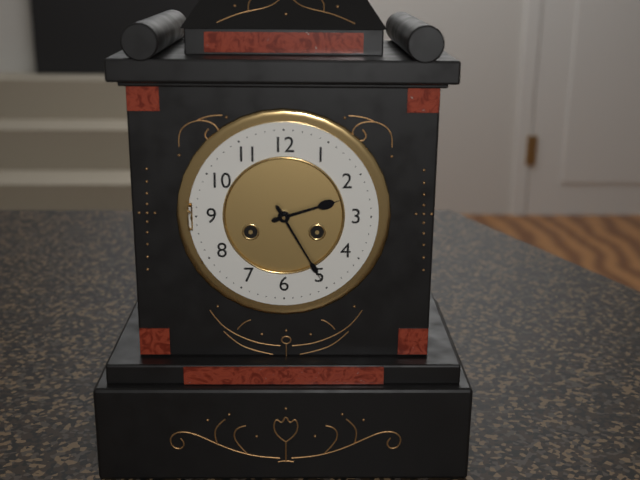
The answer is 2:25
